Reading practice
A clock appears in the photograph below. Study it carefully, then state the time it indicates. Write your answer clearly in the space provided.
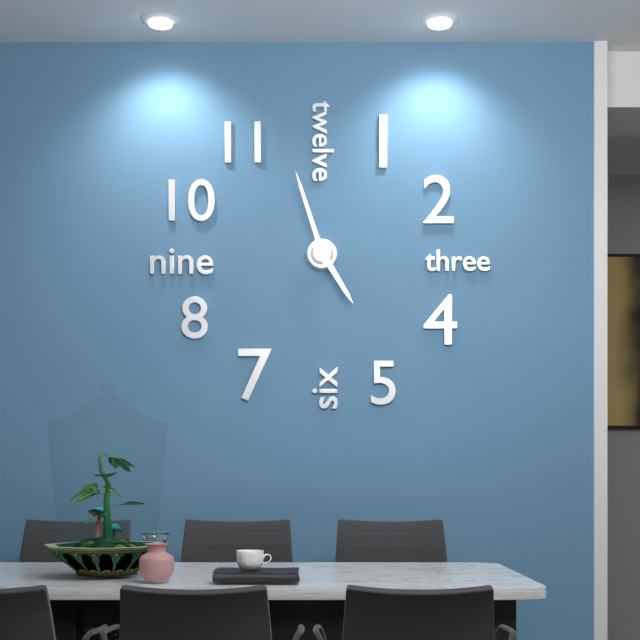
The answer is 4:57
